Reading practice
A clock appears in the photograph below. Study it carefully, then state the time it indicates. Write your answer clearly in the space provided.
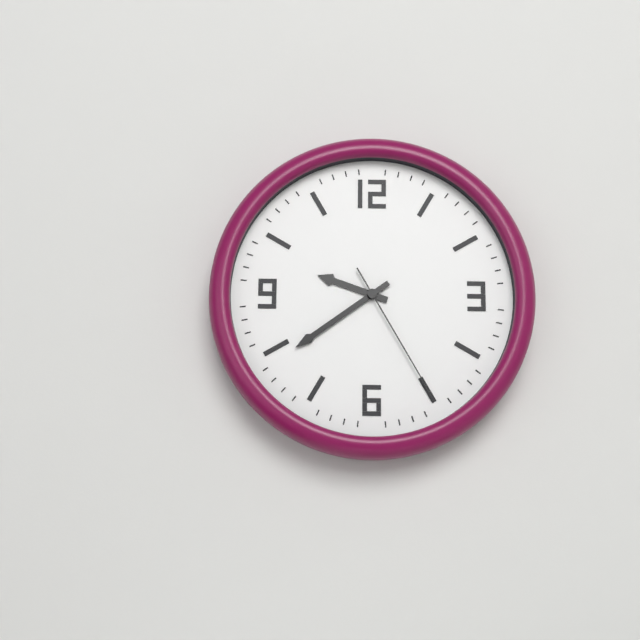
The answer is 9:39:25
